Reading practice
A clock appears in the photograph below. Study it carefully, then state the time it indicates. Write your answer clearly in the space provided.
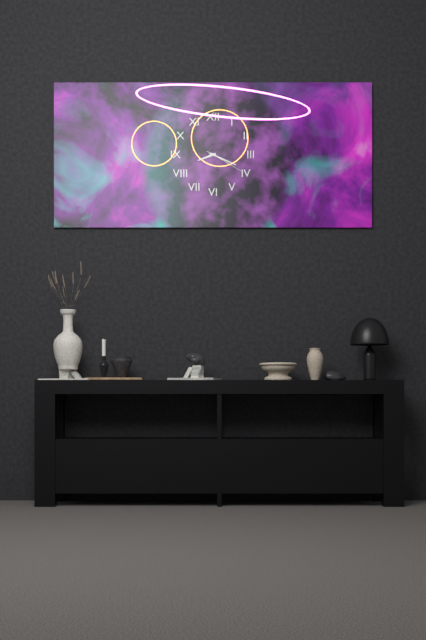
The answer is 8:19
